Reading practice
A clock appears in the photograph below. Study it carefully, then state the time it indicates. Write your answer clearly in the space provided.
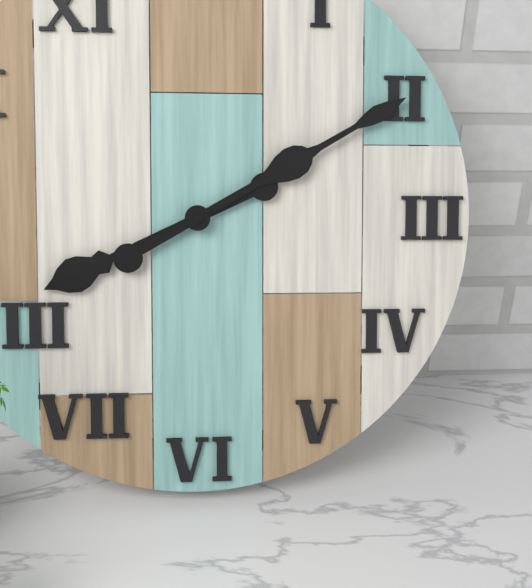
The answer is 8:10
